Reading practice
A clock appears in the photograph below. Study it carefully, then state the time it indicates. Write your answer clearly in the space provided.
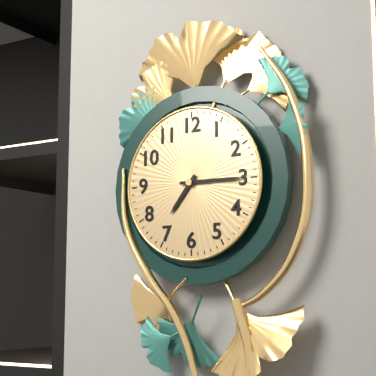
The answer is 7:15
